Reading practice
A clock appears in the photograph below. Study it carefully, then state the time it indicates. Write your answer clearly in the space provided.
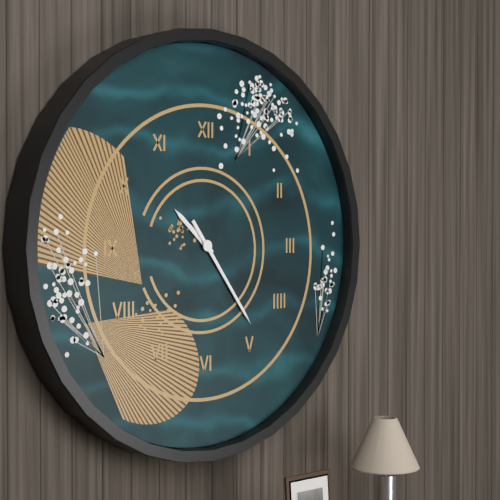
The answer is 10:24
